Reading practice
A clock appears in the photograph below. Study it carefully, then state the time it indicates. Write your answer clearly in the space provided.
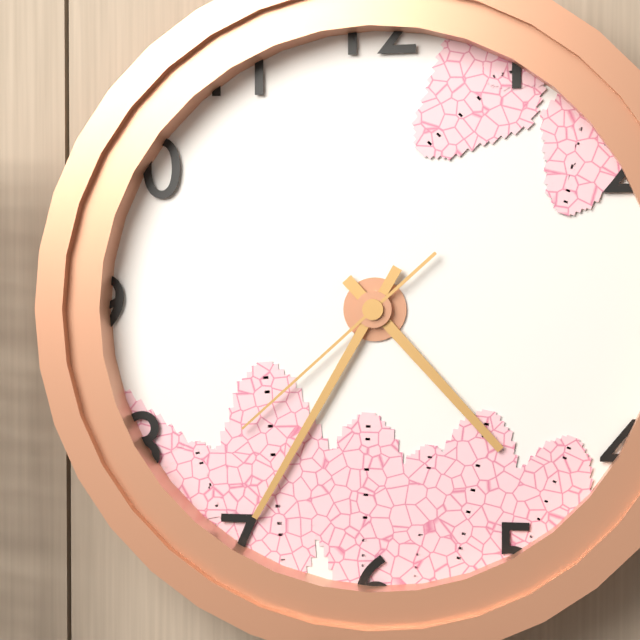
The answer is 4:35:38
